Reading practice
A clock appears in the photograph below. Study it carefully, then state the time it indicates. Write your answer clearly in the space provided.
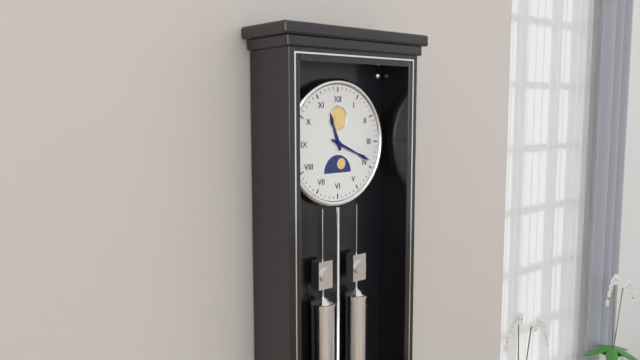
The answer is 11:19
